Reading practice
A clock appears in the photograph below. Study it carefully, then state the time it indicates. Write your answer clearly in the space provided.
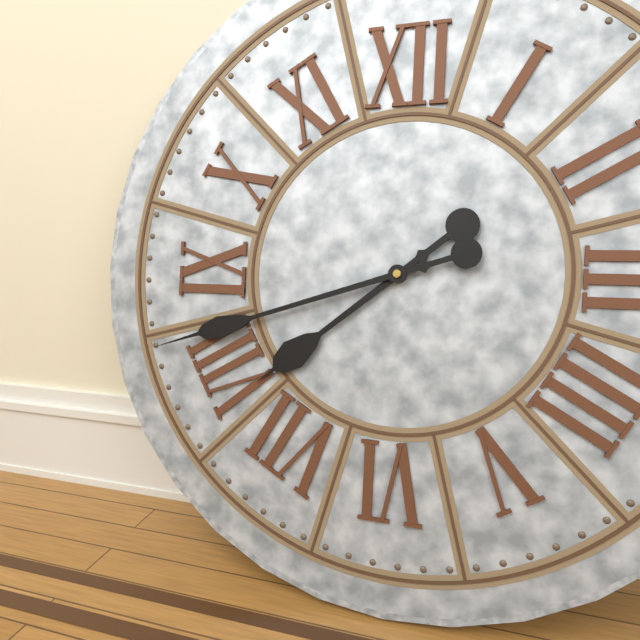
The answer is 7:42
